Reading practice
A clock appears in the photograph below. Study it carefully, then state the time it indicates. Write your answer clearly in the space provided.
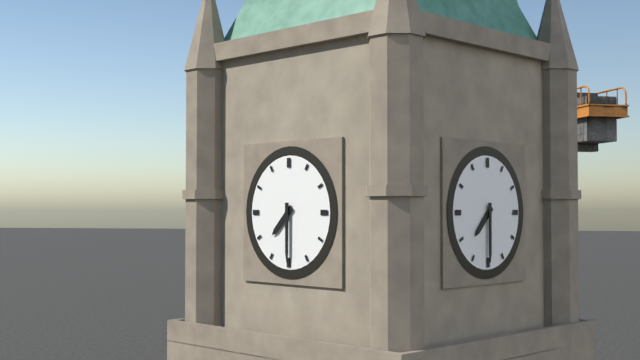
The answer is 7:30
